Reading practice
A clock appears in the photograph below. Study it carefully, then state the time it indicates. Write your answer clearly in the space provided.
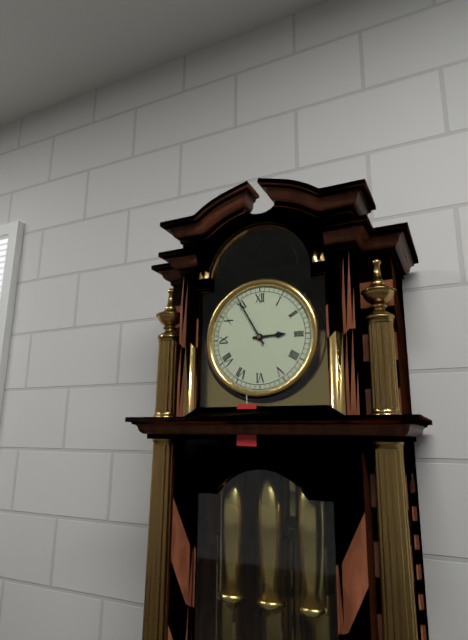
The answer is 2:55
